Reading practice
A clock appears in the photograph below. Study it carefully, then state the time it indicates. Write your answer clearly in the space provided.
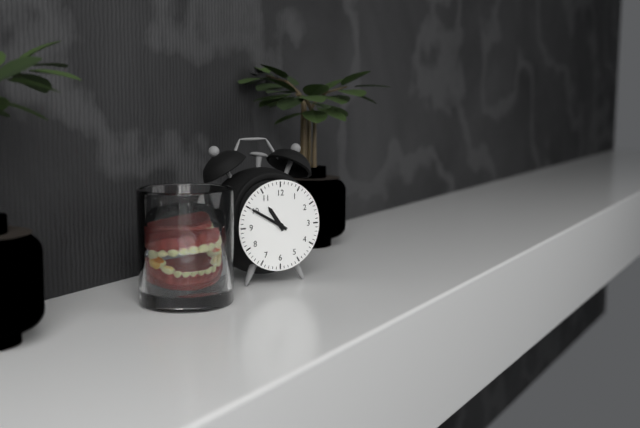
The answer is 10:50
